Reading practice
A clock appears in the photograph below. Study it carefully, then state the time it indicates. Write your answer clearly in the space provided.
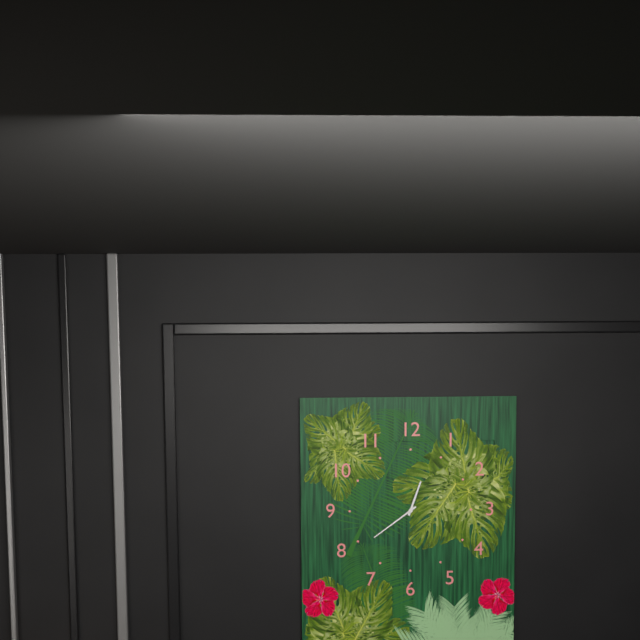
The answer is 12:39
